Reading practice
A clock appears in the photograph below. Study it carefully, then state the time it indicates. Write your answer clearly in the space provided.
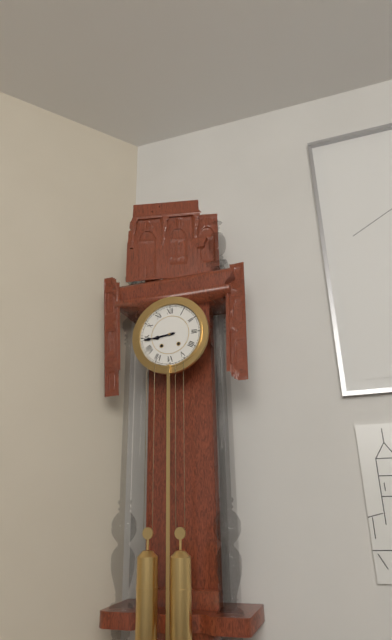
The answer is 8:44
